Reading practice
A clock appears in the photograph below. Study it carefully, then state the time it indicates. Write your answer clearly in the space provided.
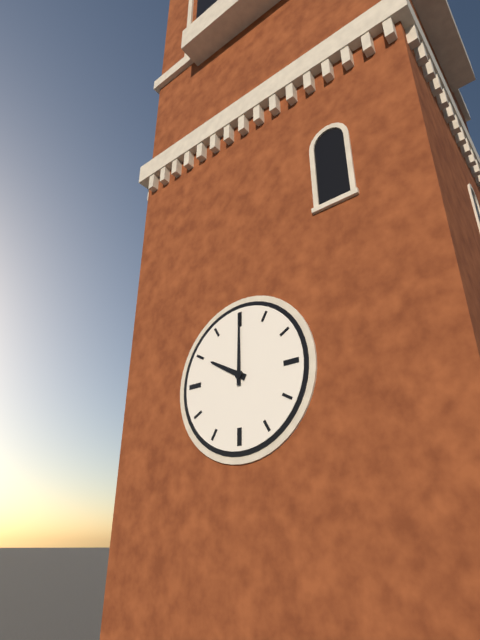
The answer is 10:00
